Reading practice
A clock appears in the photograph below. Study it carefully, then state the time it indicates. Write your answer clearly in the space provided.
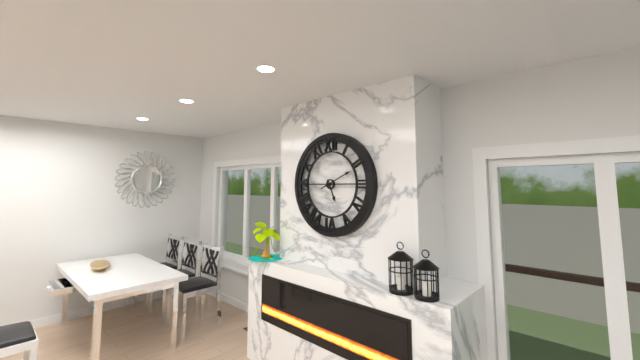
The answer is 5:11
